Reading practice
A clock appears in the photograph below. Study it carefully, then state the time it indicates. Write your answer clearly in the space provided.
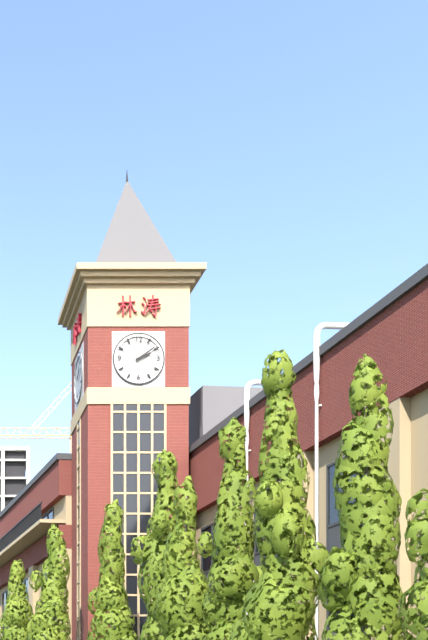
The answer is 2:09
